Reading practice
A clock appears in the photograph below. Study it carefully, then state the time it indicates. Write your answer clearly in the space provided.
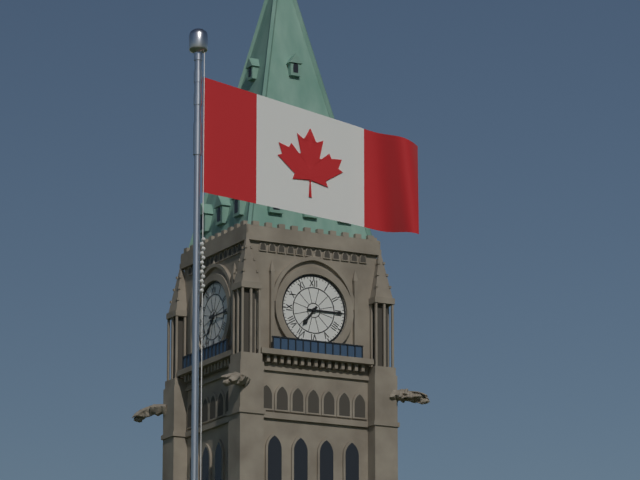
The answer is 7:15
